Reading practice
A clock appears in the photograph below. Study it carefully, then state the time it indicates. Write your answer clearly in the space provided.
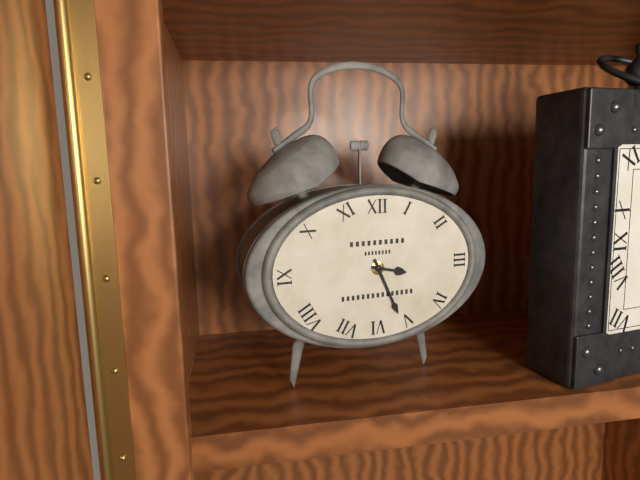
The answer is 3:26
